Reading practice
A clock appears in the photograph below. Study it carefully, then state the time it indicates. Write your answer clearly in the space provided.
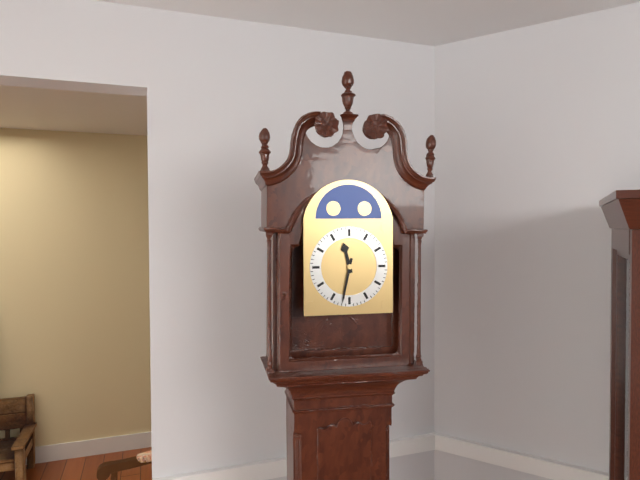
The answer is 11:32
